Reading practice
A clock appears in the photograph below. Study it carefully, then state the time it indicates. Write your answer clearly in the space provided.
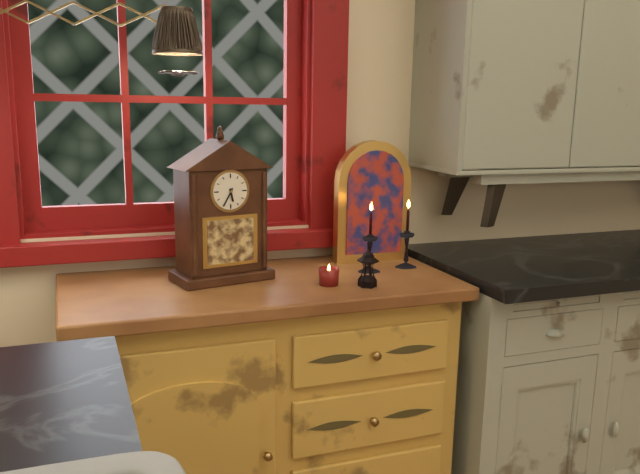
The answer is 5:35
